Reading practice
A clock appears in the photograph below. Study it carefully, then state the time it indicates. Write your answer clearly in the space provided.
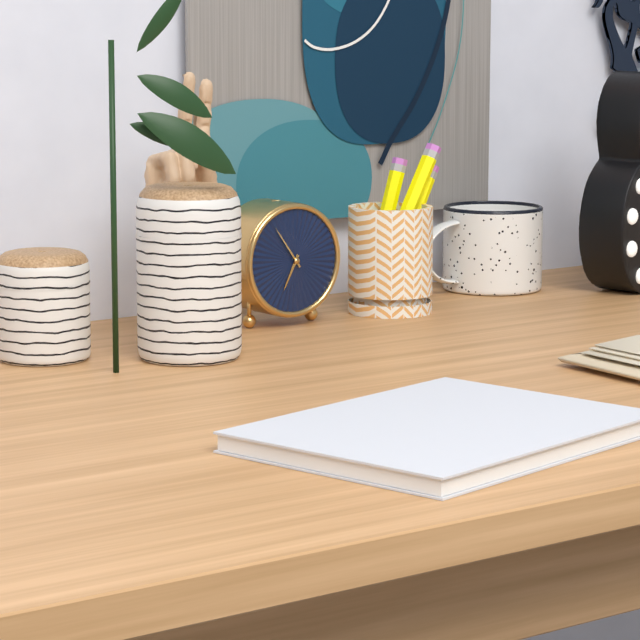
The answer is 6:54
